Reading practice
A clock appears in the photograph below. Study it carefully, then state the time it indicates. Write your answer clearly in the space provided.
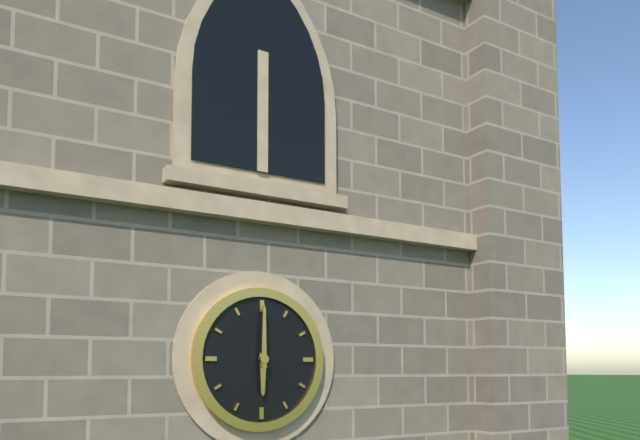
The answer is 6:00
